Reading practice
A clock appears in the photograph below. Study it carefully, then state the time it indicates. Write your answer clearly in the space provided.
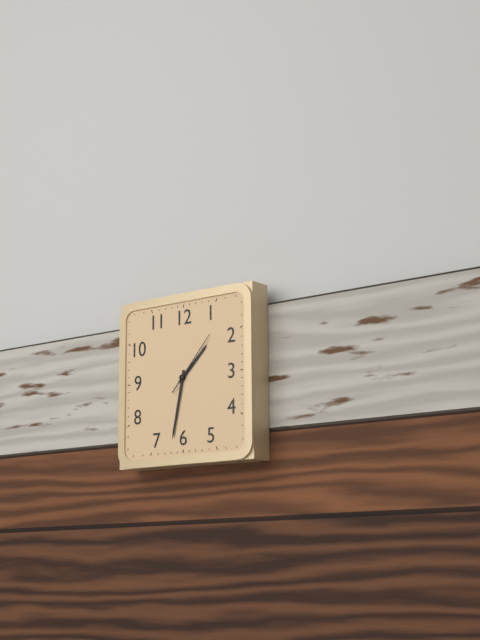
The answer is 1:32:07
